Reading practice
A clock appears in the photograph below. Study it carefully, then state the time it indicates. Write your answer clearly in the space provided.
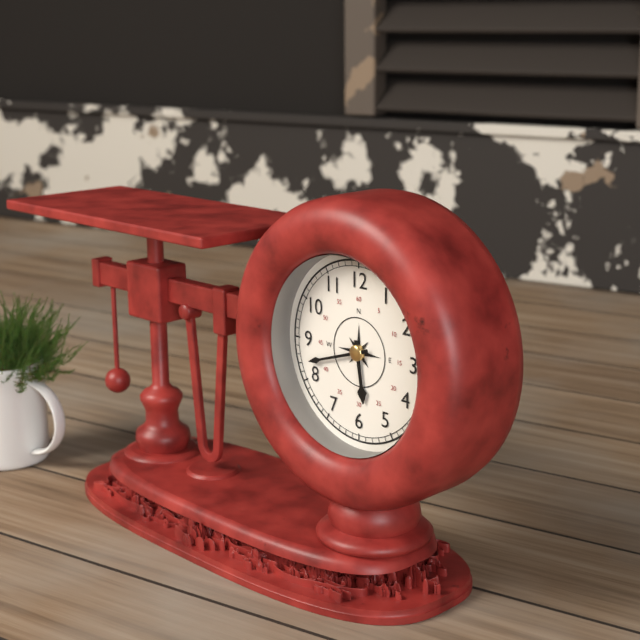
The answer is 5:42
